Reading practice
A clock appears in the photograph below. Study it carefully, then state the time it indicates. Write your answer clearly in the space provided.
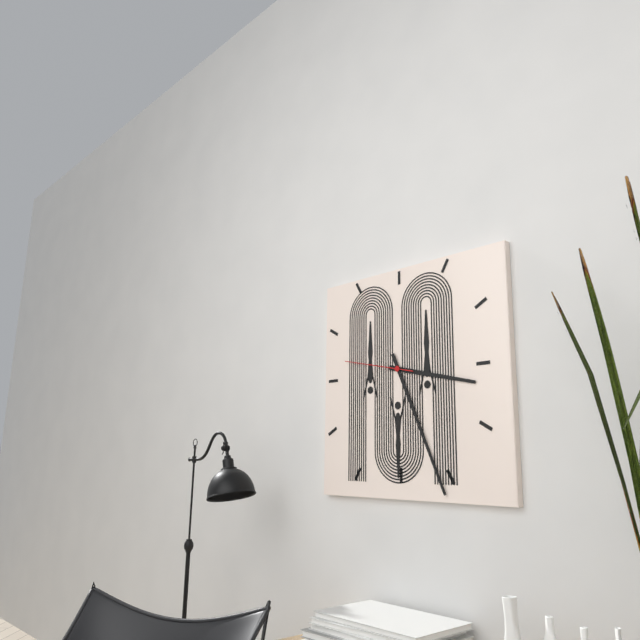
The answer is 3:26:47
